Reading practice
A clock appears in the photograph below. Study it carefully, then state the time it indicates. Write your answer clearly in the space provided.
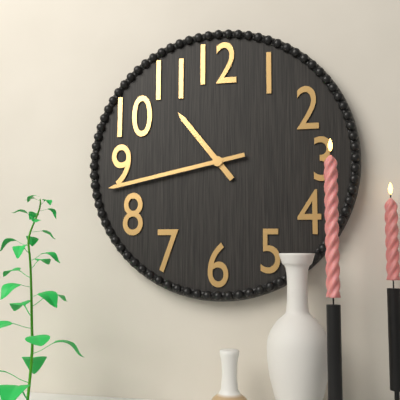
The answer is 10:43
